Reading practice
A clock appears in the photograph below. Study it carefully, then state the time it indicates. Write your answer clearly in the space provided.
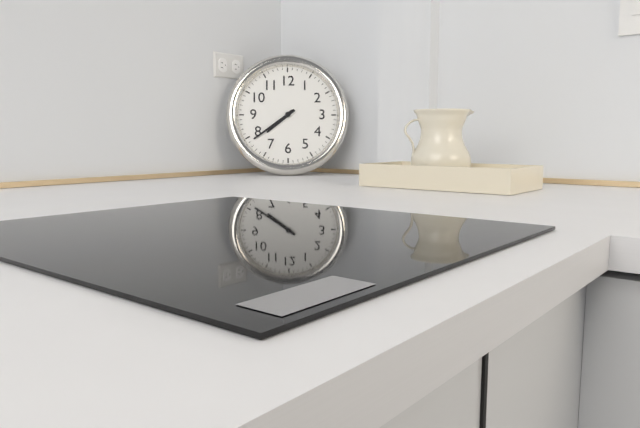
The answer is 7:39
